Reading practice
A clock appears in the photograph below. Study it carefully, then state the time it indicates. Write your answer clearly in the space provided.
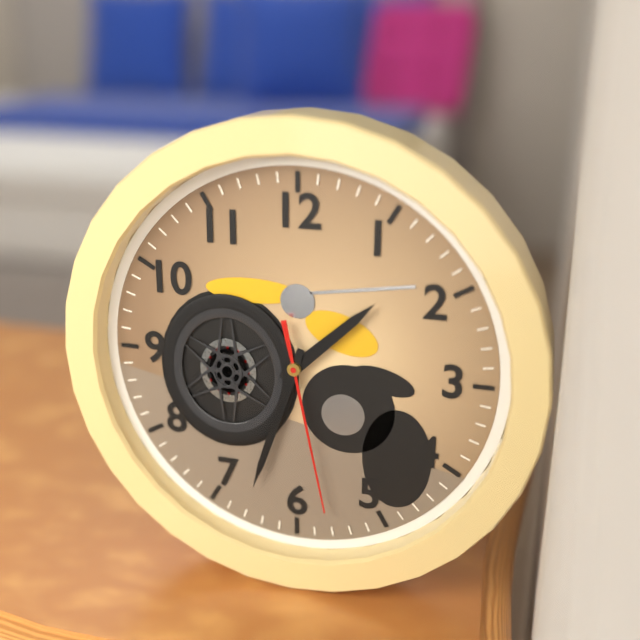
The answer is 1:33:28
